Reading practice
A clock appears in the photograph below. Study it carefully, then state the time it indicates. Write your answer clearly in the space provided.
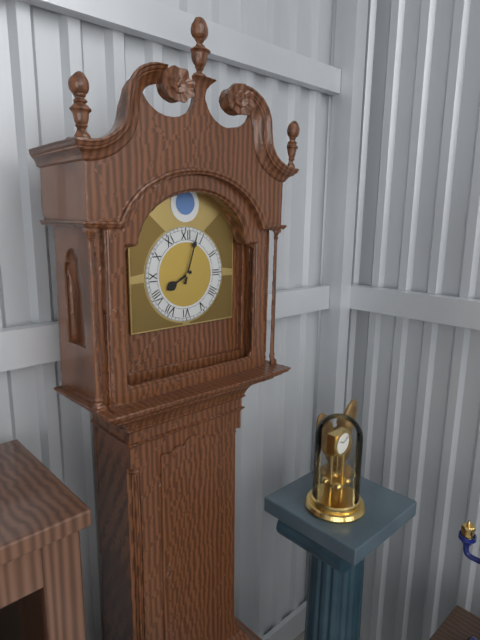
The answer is 8:03
